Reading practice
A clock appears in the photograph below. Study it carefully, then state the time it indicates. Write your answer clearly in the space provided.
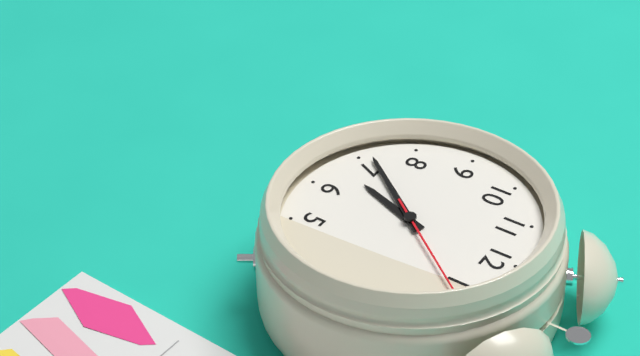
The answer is 6:36:06
